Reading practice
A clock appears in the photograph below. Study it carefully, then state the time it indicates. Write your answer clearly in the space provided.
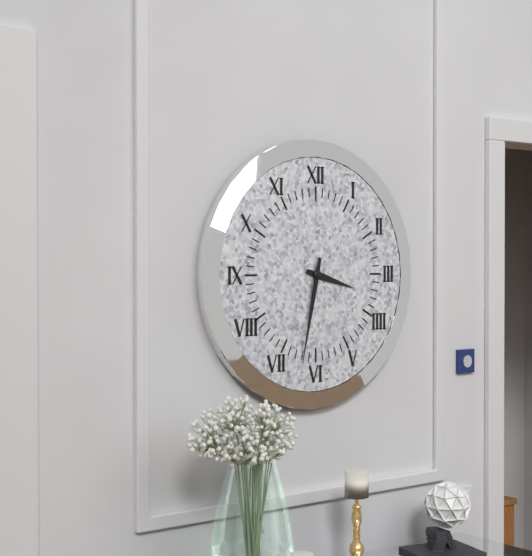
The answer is 3:32
